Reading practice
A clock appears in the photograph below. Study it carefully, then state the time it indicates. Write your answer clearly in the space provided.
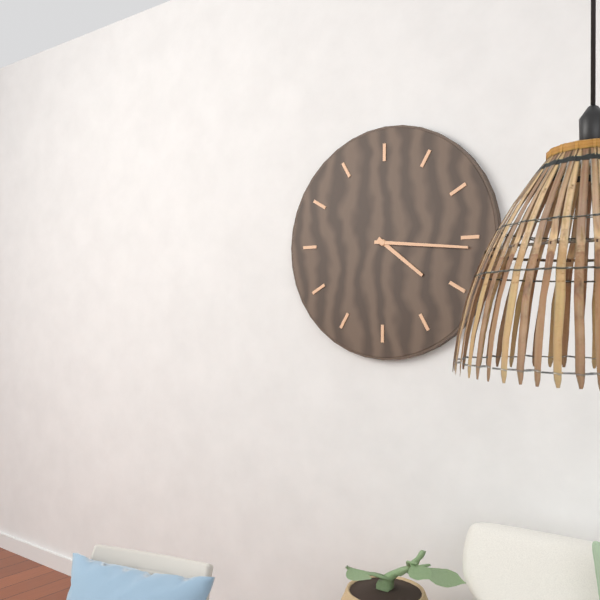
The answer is 4:16
